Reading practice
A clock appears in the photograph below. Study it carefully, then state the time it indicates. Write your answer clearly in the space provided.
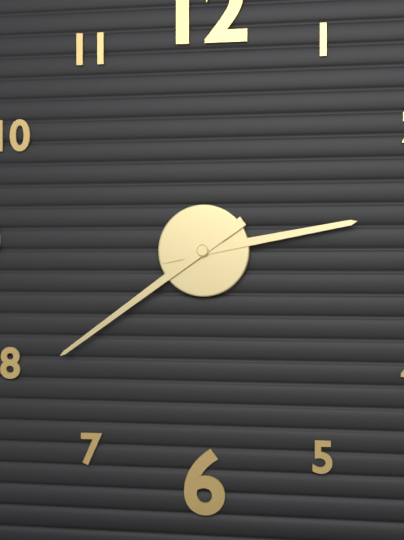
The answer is 2:39
